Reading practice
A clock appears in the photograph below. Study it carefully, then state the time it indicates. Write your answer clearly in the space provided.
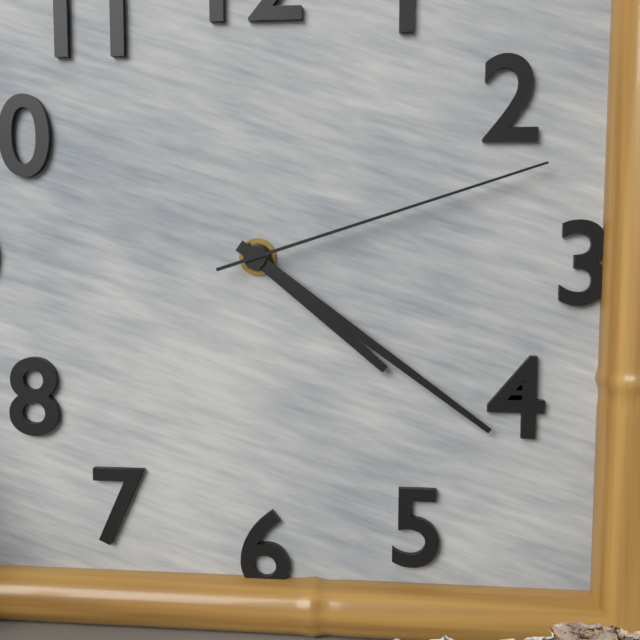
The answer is 4:21:12
